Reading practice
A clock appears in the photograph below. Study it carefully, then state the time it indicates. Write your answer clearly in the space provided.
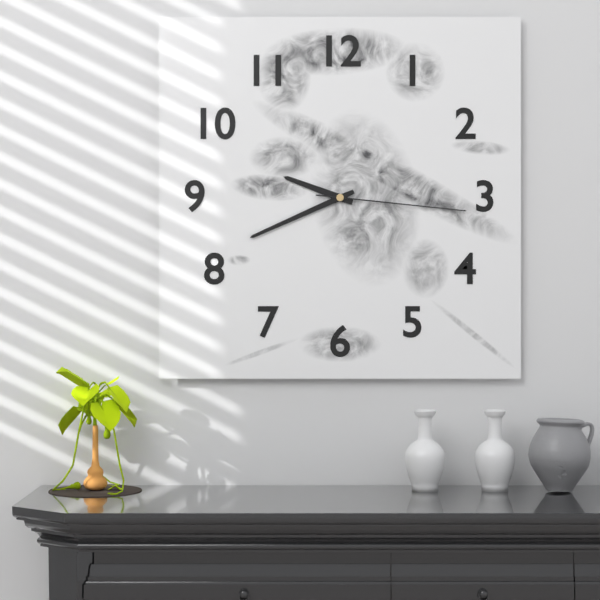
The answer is 9:41:16
